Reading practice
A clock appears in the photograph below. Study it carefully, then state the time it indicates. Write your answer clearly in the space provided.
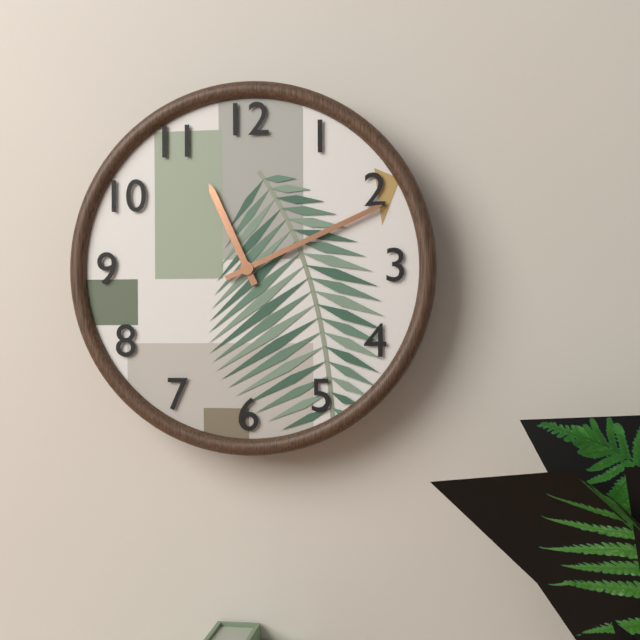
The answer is 11:11
